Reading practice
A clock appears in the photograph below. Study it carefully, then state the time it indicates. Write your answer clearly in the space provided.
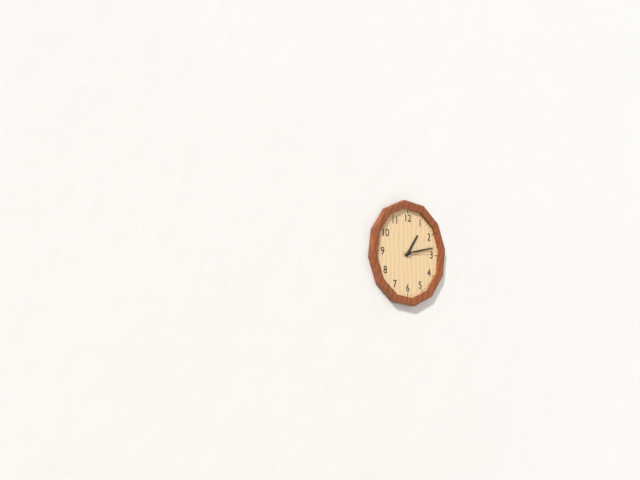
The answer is 1:13
